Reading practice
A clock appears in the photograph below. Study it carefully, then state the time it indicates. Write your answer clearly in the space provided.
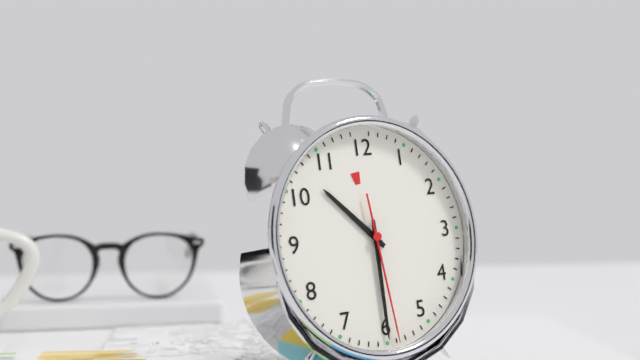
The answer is 10:30:29
